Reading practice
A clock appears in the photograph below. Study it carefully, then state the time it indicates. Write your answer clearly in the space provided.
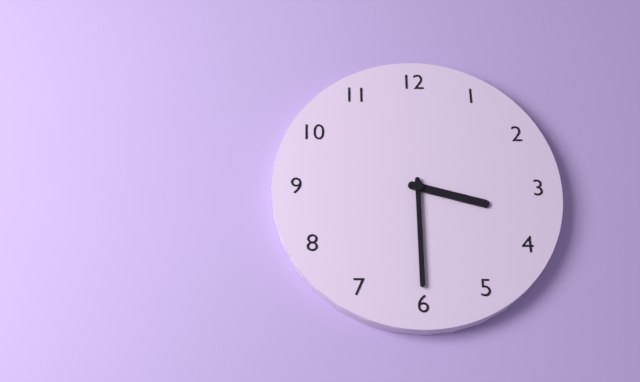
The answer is 3:30
